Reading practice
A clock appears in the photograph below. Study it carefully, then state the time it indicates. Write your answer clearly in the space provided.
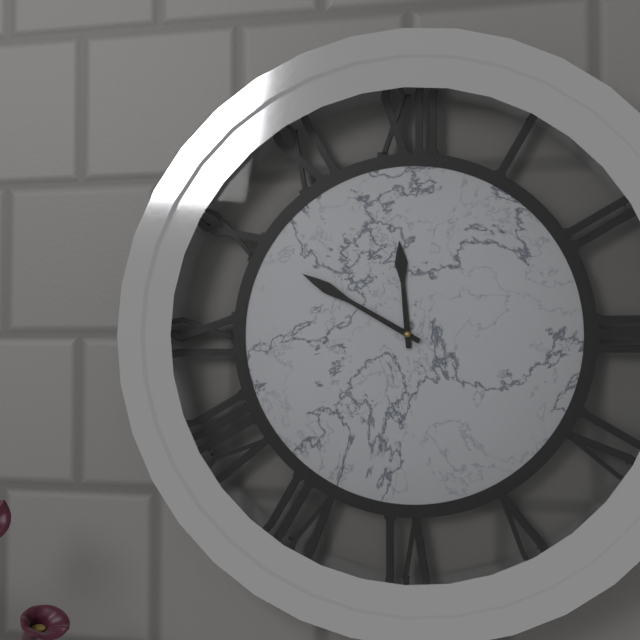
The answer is 11:50
